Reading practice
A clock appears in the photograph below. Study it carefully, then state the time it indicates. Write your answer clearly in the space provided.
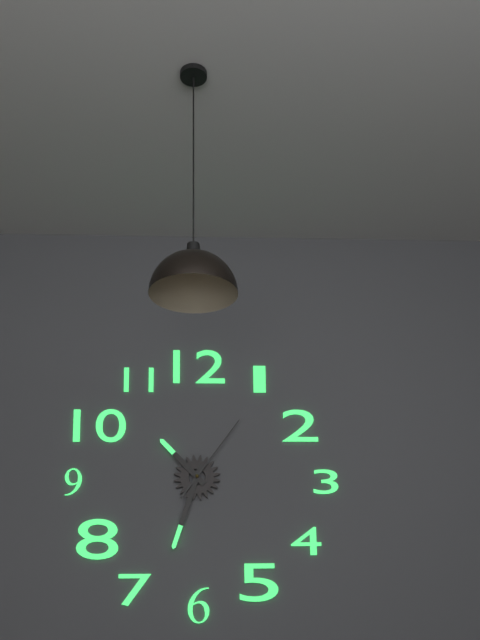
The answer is 10:33:06
